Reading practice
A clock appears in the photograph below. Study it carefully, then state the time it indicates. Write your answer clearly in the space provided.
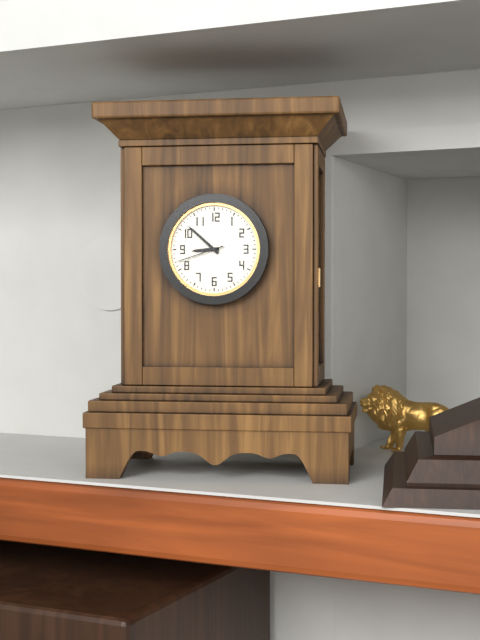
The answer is 8:52:42
